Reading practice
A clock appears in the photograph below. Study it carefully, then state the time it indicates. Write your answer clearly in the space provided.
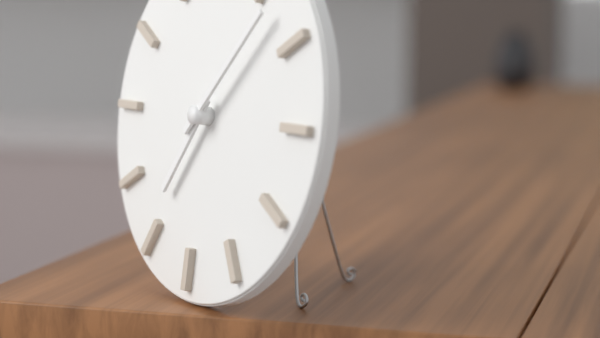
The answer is 7:07
